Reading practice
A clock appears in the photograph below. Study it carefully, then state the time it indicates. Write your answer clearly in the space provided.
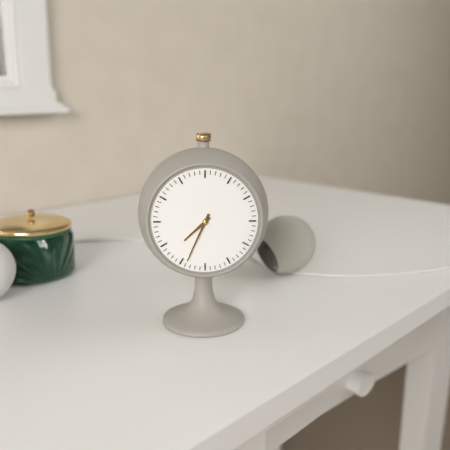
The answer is 7:34
